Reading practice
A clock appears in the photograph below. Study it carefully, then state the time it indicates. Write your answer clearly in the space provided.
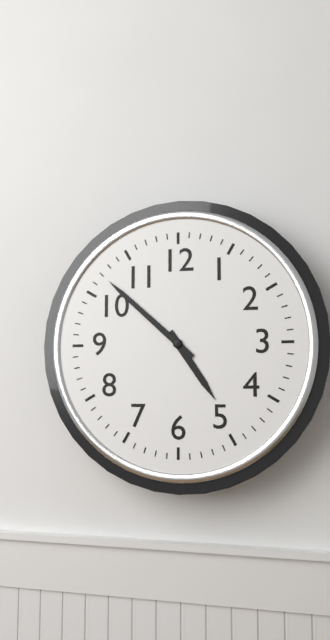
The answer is 4:52
